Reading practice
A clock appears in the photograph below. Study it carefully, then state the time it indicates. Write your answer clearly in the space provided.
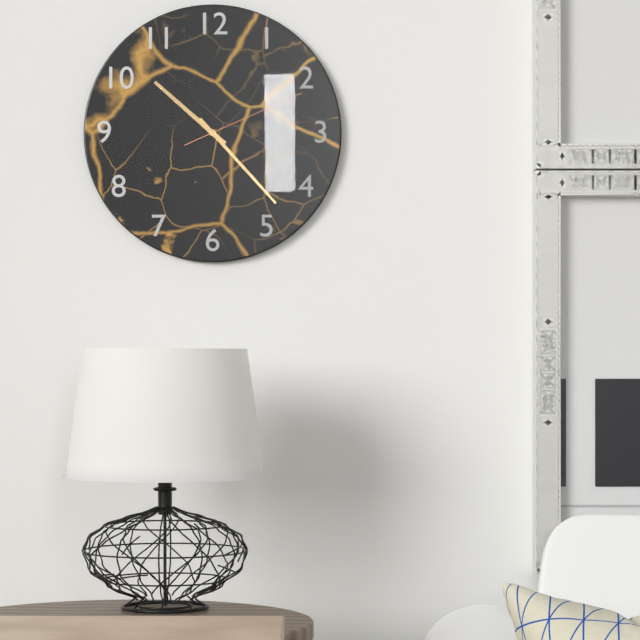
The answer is 10:23:11
